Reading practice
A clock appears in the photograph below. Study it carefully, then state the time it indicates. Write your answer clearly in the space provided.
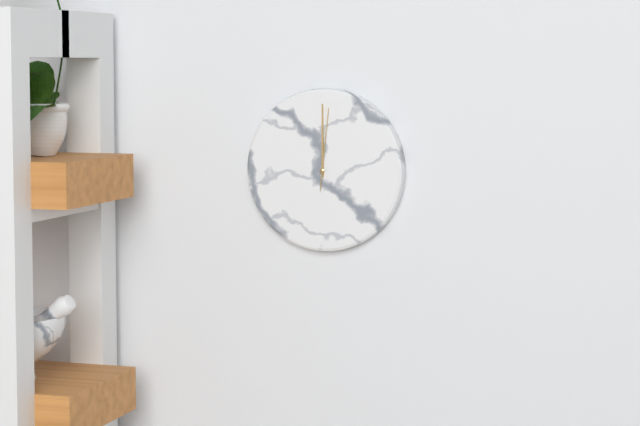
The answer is 12:00:01
